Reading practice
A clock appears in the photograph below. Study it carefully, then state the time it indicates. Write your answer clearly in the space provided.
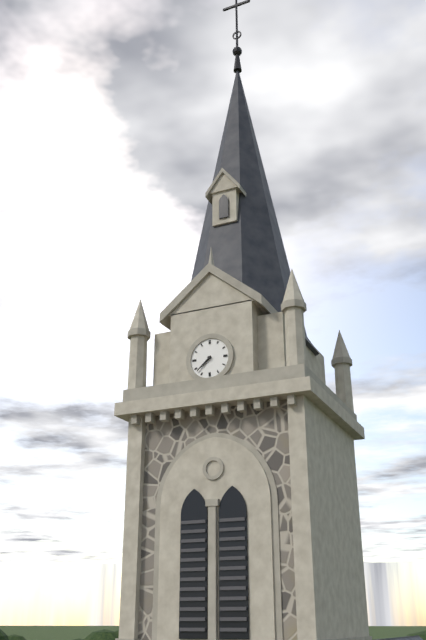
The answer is 7:38
